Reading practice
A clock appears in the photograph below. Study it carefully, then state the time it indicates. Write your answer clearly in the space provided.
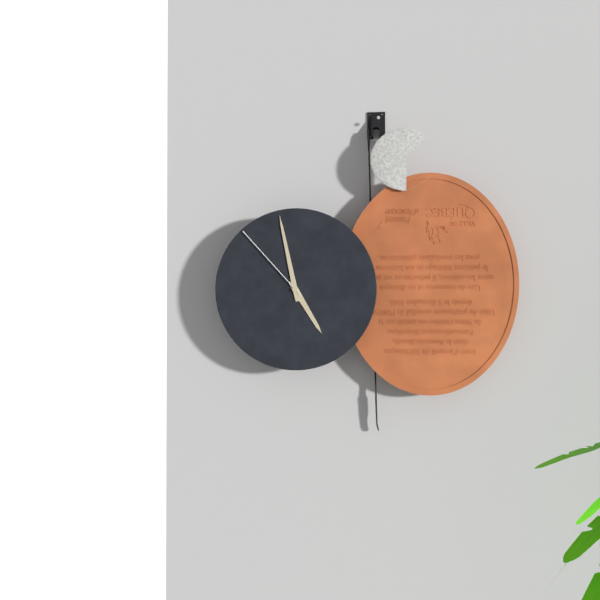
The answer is 4:58:53
